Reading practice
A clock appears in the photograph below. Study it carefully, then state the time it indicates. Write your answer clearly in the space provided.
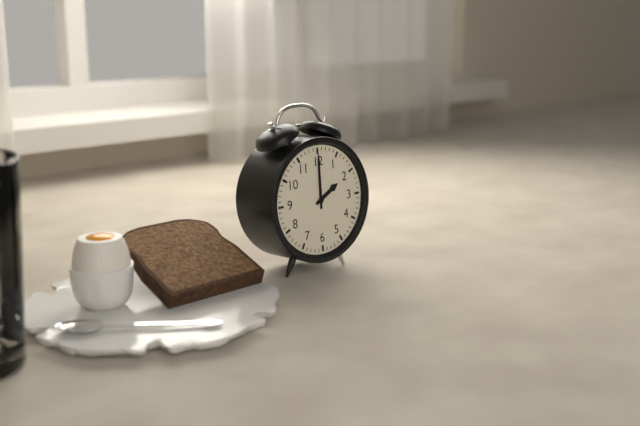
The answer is 2:00
